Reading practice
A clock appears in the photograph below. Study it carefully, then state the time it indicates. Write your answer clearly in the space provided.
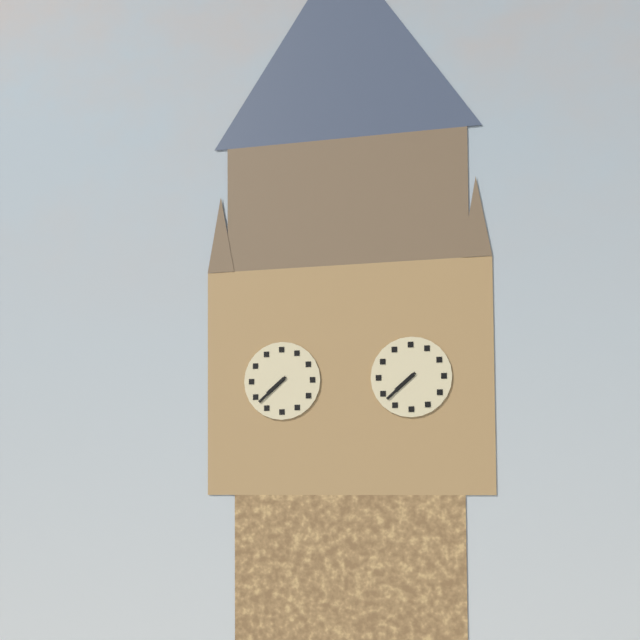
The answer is 7:38
